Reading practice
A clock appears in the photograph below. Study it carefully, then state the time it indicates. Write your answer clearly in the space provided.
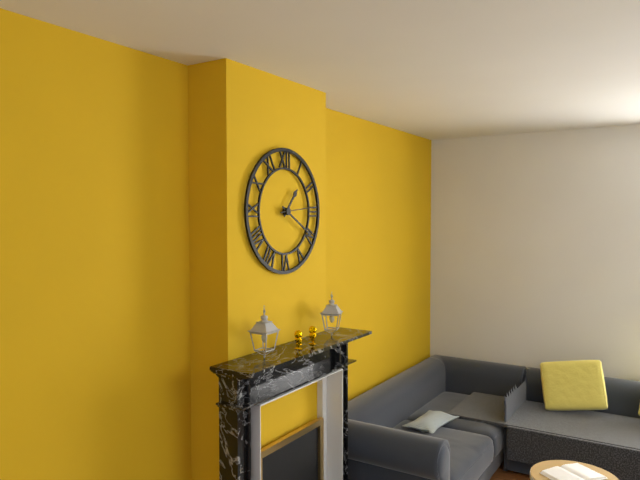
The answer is 1:20
